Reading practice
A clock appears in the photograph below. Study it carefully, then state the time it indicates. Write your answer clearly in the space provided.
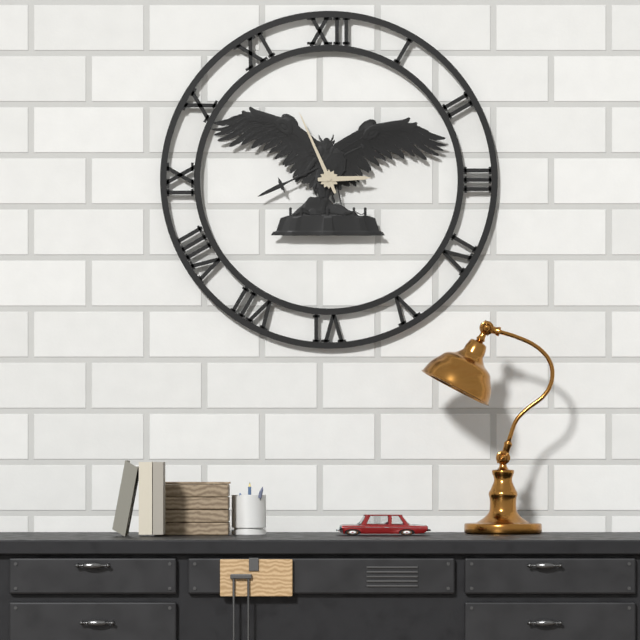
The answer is 2:56
